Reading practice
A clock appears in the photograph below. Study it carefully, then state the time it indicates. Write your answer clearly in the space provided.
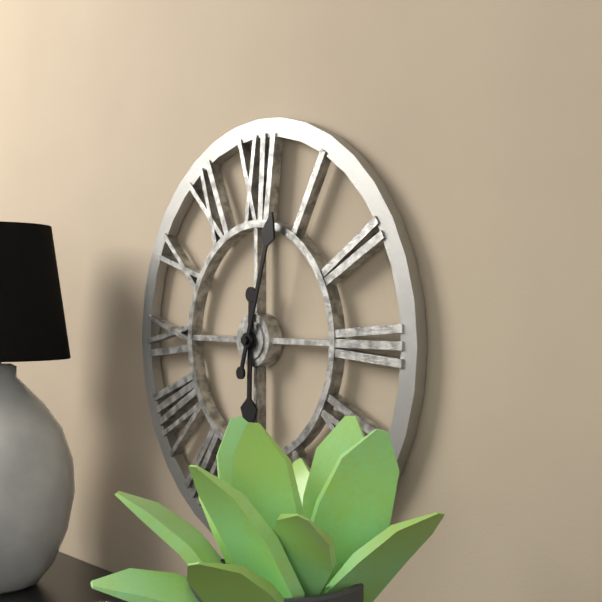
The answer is 6:03
